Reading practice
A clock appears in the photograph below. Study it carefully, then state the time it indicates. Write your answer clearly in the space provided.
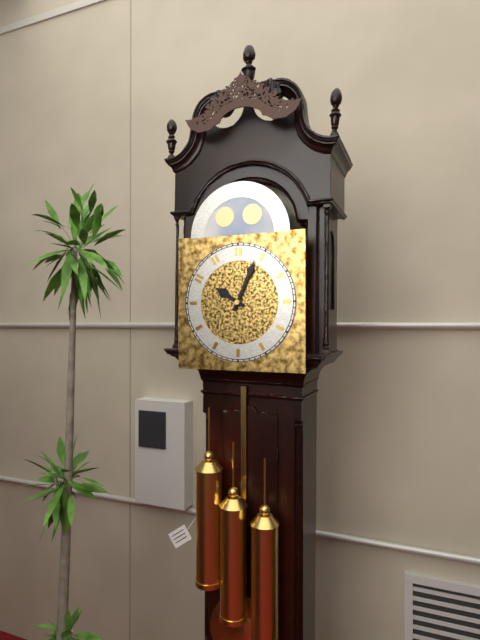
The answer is 10:04
